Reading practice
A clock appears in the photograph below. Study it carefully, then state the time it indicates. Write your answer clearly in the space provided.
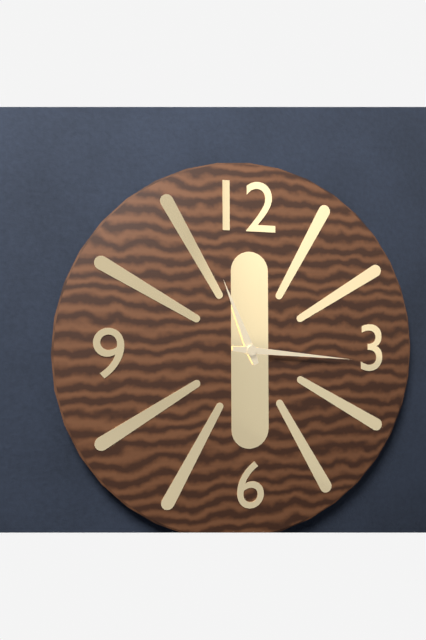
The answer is 11:16
